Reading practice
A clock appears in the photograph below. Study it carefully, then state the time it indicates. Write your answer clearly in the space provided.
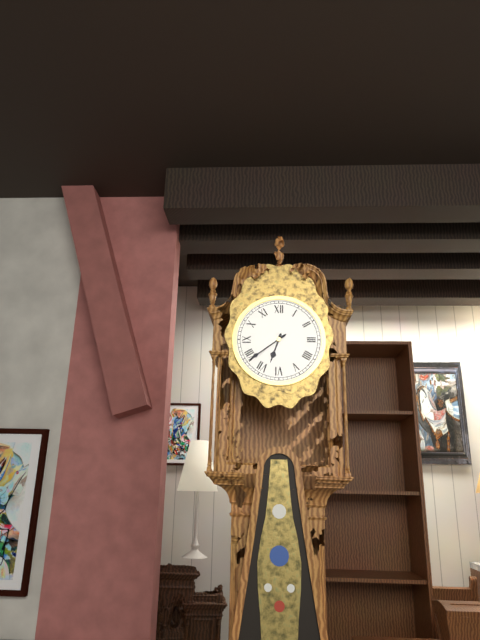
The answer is 6:39
